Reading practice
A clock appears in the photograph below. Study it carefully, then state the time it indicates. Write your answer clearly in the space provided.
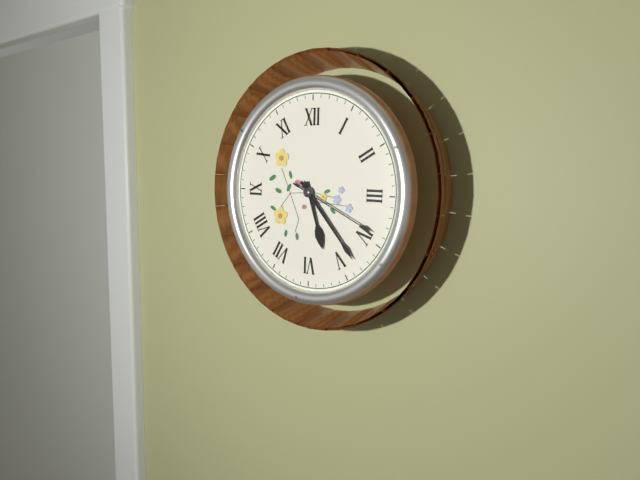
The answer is 5:23:19
